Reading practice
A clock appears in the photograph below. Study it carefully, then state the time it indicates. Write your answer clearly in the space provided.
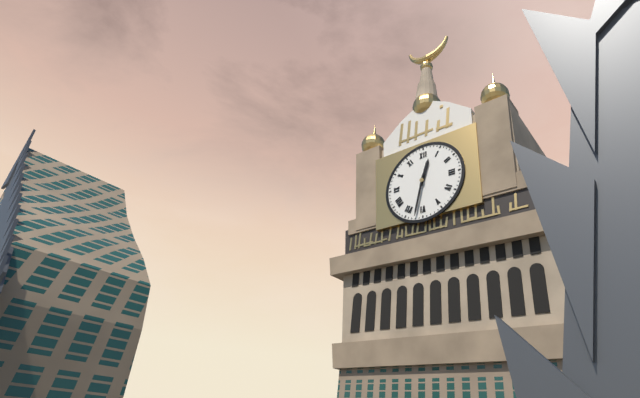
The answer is 12:32
